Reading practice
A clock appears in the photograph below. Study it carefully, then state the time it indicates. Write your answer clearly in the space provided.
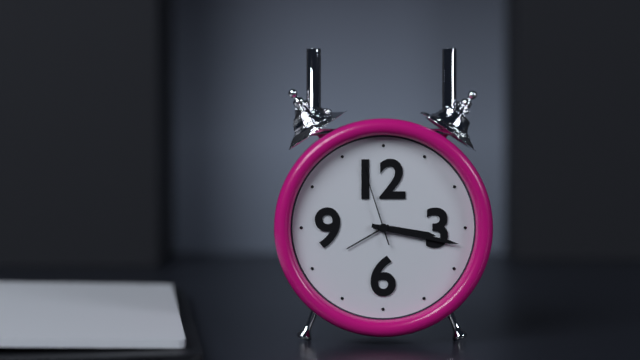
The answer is 3:17:57
